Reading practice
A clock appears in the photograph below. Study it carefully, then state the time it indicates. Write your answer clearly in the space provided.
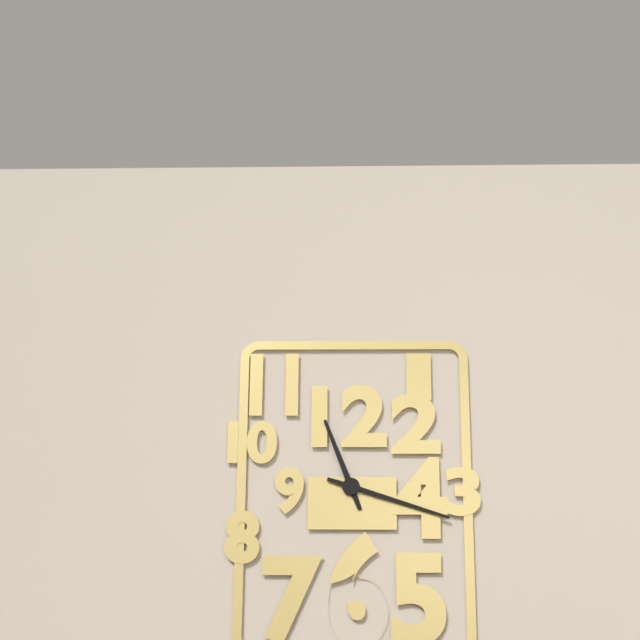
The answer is 11:18
